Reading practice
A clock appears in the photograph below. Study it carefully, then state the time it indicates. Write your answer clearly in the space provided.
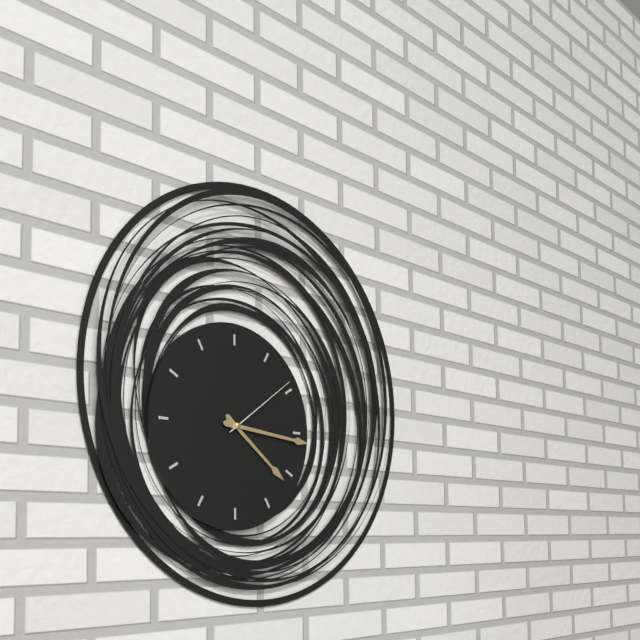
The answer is 4:16:09
